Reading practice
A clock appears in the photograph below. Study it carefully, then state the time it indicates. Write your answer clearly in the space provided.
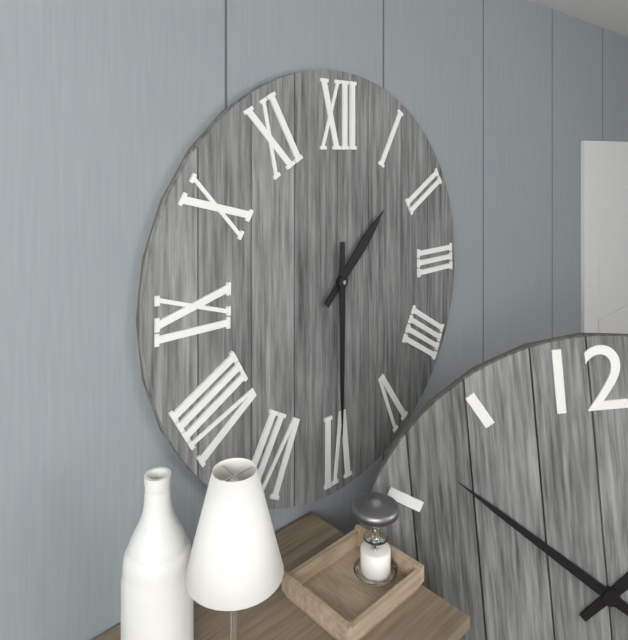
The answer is 1:30
